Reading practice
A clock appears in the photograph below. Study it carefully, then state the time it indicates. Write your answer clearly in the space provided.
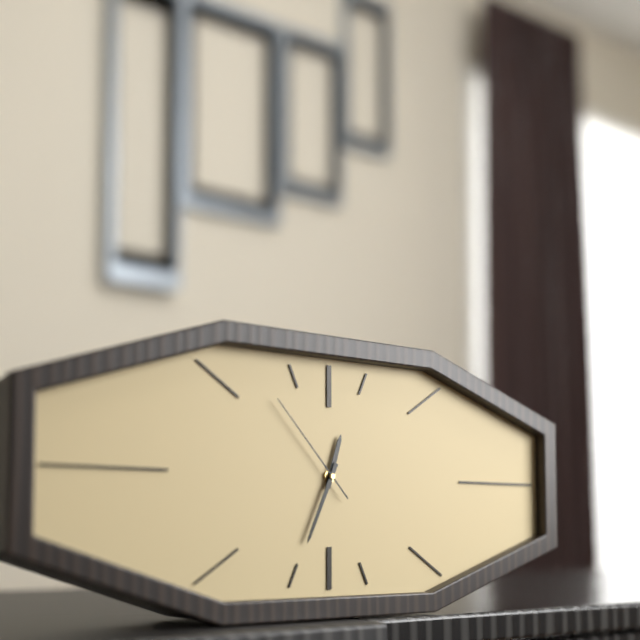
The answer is 12:34:53
